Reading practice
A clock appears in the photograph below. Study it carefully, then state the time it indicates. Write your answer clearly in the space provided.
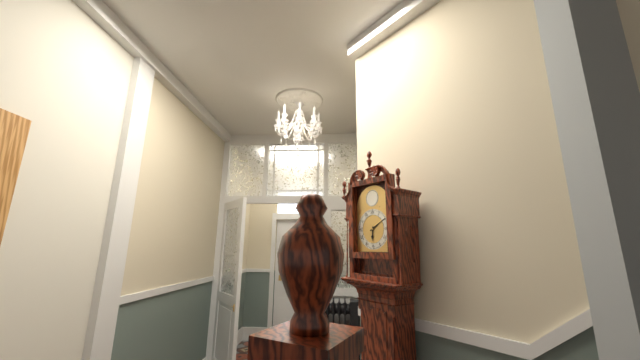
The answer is 6:10
